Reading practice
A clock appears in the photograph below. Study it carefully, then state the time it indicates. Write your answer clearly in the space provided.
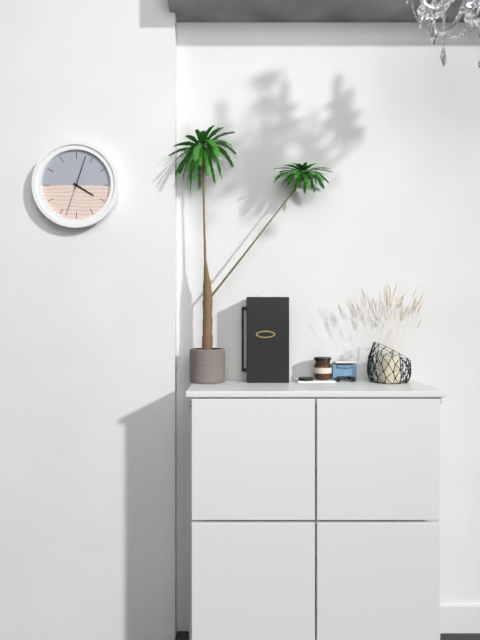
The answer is 4:03
